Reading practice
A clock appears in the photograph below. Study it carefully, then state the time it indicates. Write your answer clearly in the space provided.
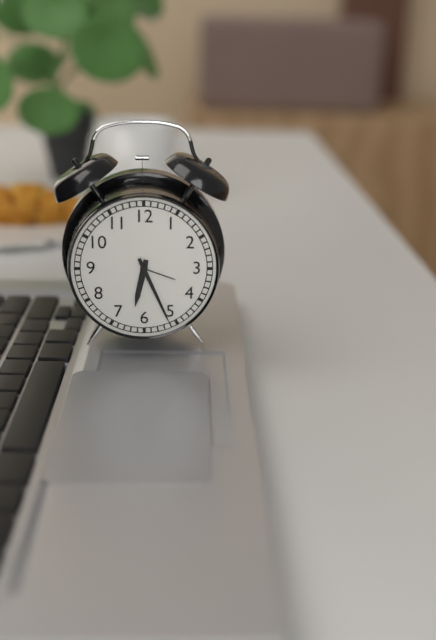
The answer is 6:26
